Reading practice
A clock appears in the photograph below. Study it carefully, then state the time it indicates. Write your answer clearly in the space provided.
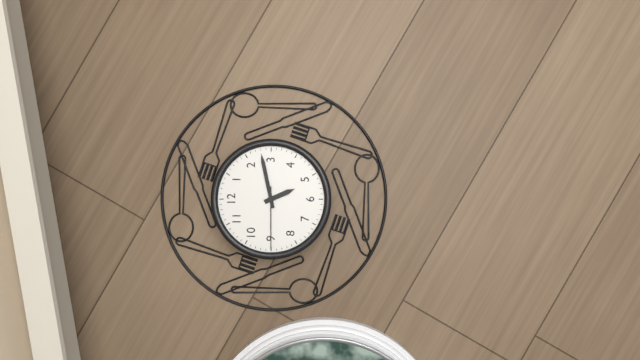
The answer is 5:13:45
